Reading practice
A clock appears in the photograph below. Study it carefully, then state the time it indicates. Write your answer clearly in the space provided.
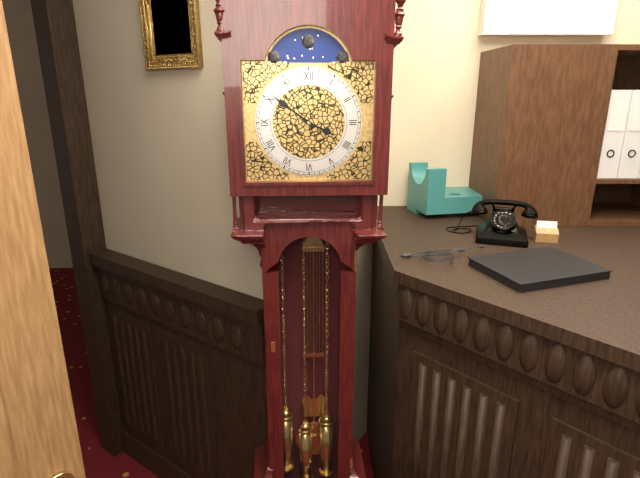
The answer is 3:51
